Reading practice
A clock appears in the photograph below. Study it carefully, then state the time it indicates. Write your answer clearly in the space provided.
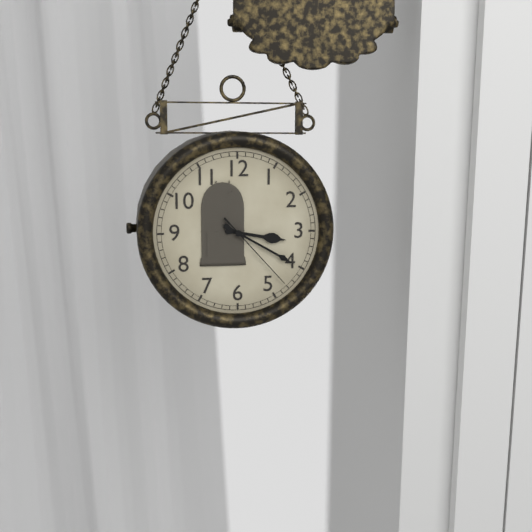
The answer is 3:20:23
